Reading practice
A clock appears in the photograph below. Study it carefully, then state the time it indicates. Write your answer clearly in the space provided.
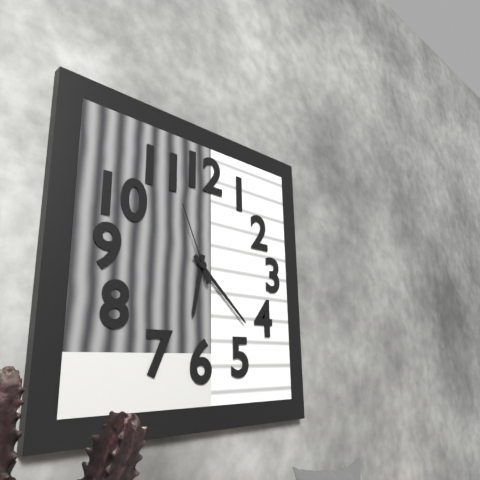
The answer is 6:22:56
